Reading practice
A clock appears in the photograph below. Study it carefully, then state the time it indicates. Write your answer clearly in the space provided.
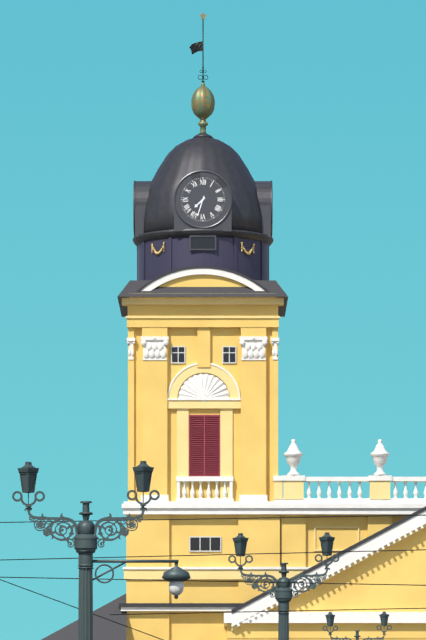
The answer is 7:33
